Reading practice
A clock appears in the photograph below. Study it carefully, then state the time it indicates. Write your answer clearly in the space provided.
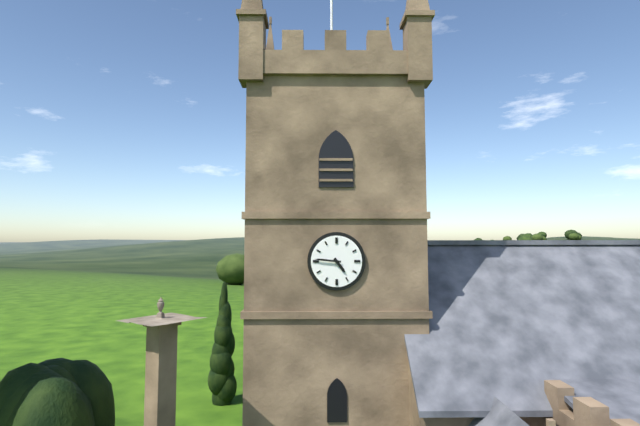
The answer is 4:46
